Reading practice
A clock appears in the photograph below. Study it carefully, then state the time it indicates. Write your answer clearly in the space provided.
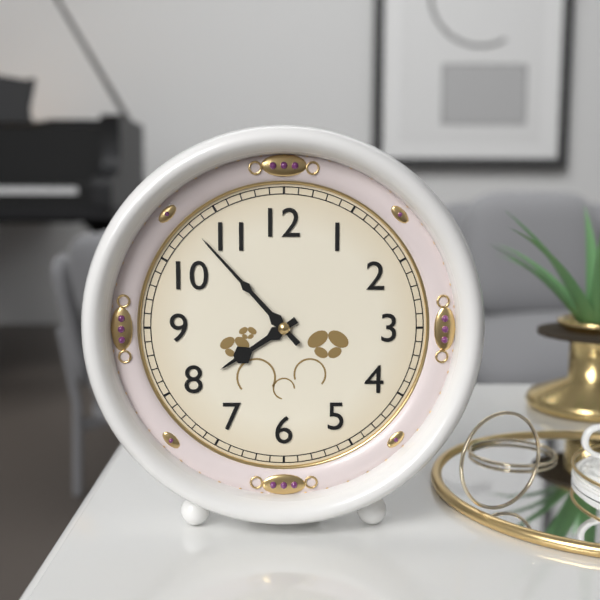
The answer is 7:53
